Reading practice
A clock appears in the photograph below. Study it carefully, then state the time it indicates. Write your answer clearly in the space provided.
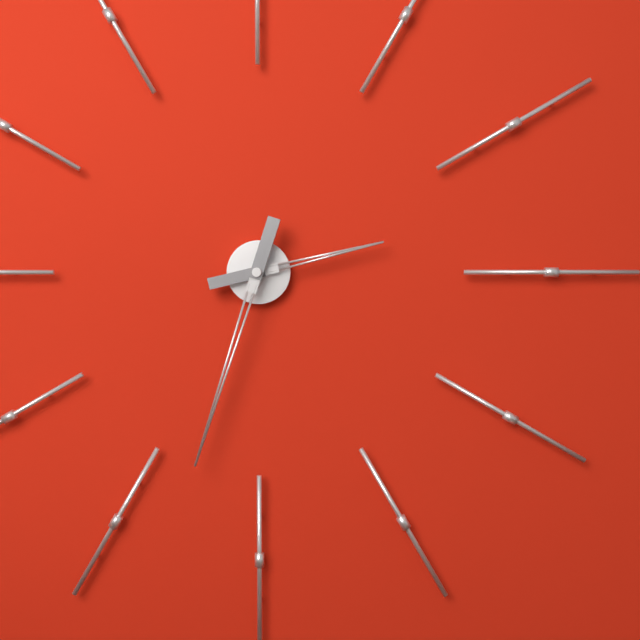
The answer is 2:33
